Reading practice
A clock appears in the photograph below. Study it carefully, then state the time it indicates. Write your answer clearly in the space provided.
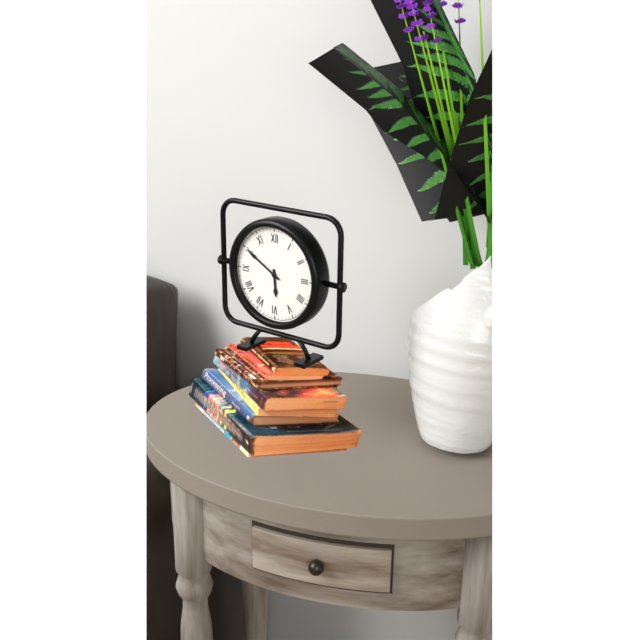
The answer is 5:50
